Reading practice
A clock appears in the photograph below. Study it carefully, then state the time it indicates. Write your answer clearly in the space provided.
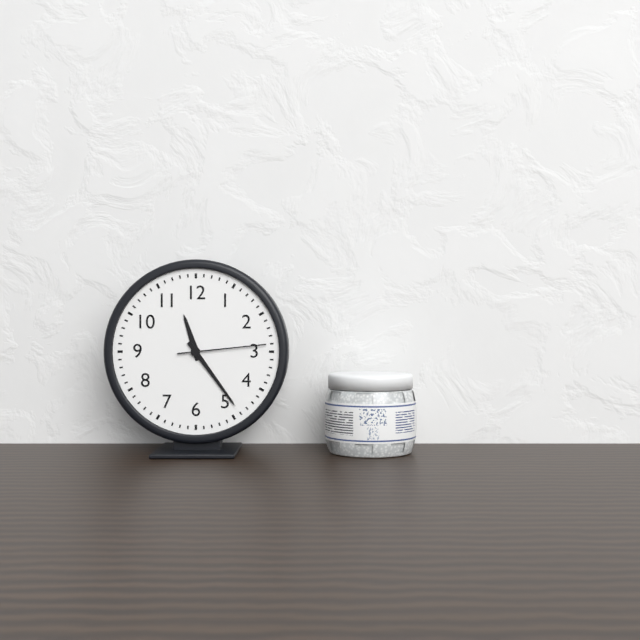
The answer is 11:24:14
